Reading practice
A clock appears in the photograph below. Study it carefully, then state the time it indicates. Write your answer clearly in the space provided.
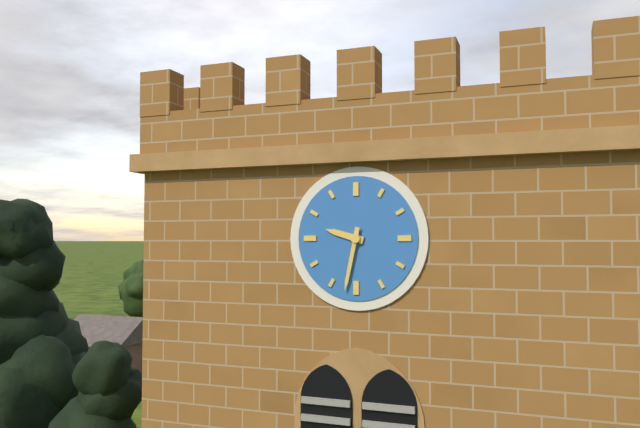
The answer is 9:32
